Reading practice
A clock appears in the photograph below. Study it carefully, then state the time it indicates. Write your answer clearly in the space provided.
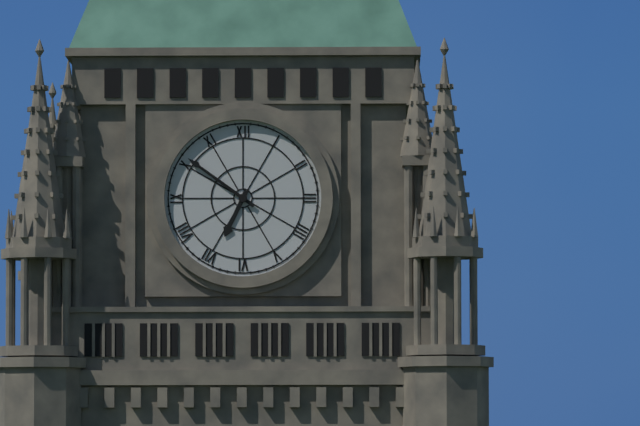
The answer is 6:51
